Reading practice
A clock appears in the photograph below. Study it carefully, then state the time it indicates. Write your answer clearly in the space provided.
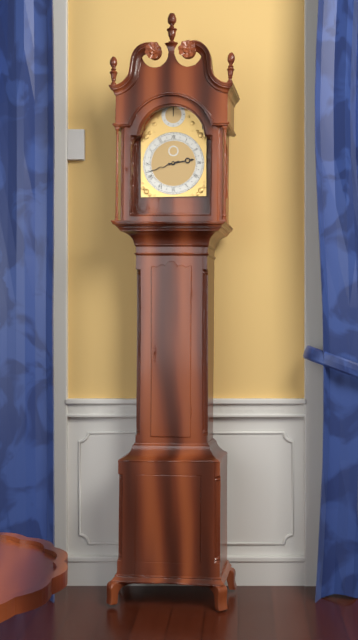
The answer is 2:42
